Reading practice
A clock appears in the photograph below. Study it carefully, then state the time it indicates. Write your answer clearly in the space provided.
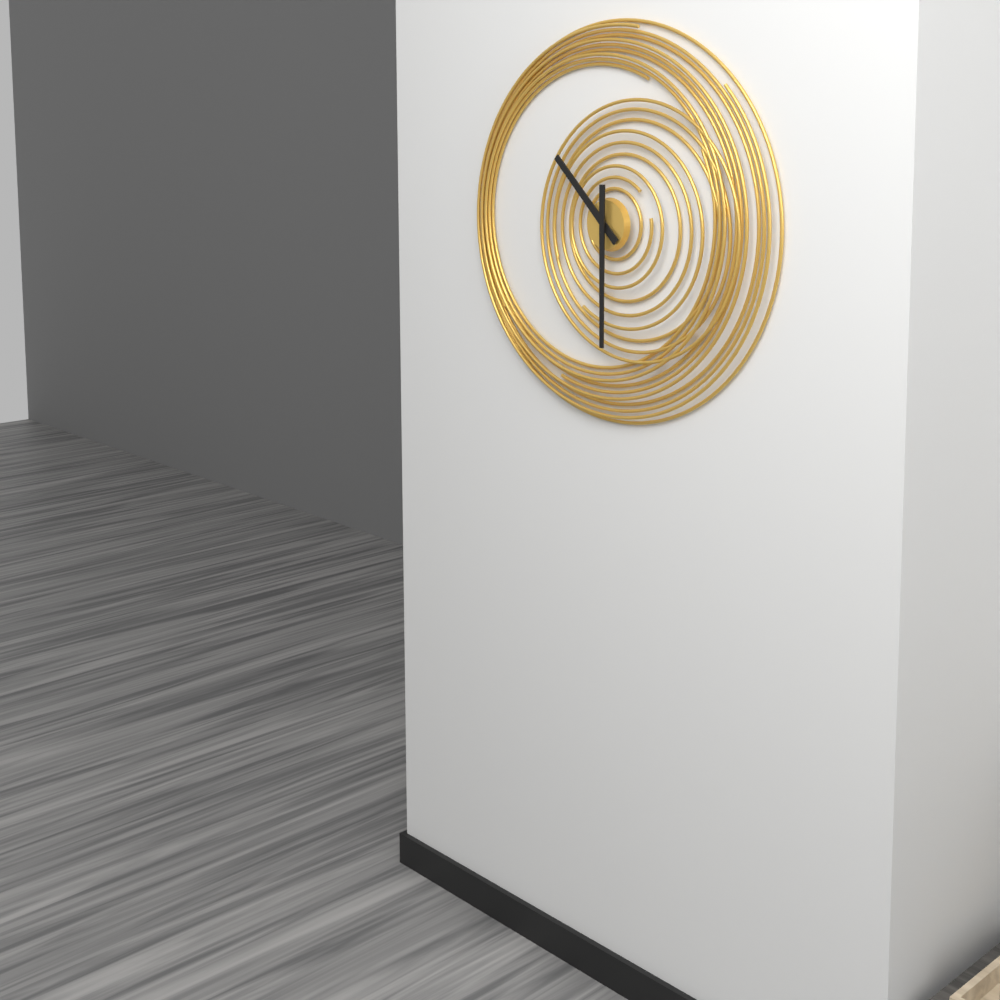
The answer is 10:30
